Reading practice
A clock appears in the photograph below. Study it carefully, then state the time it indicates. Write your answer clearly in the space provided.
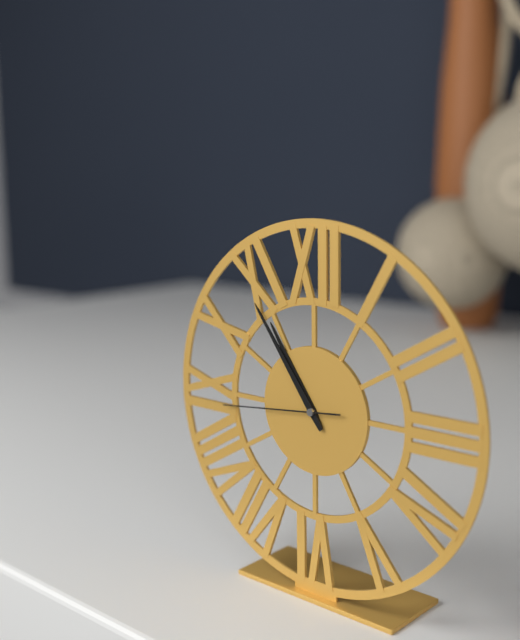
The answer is 10:54:44
